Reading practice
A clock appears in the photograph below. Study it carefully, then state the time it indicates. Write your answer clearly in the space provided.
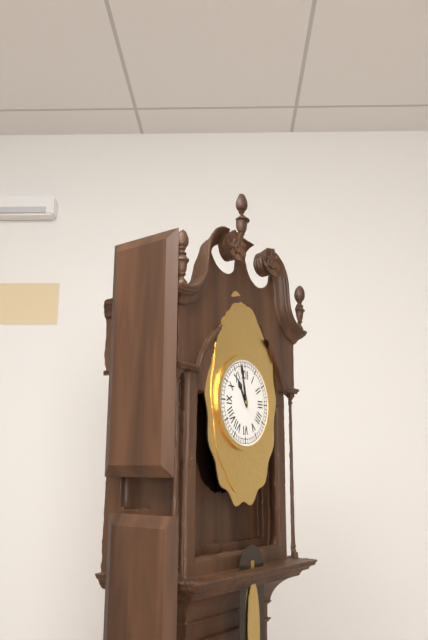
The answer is 10:58
